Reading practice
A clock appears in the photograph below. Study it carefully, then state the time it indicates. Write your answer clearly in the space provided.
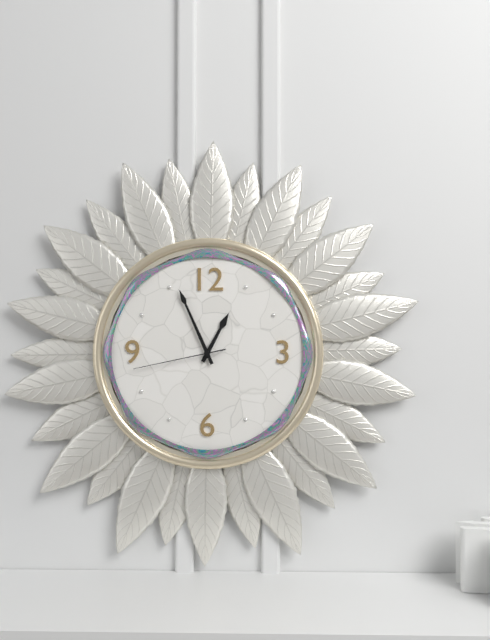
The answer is 12:56:43
